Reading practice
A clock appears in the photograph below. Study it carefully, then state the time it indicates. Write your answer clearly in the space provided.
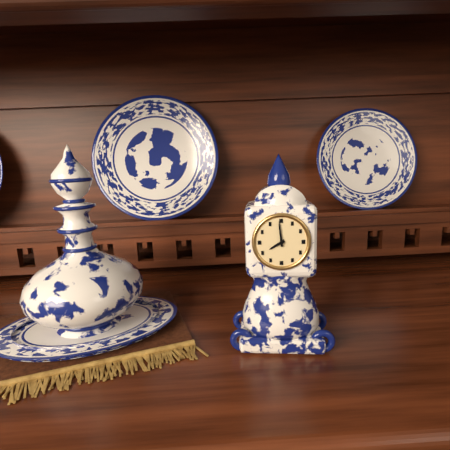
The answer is 7:59
